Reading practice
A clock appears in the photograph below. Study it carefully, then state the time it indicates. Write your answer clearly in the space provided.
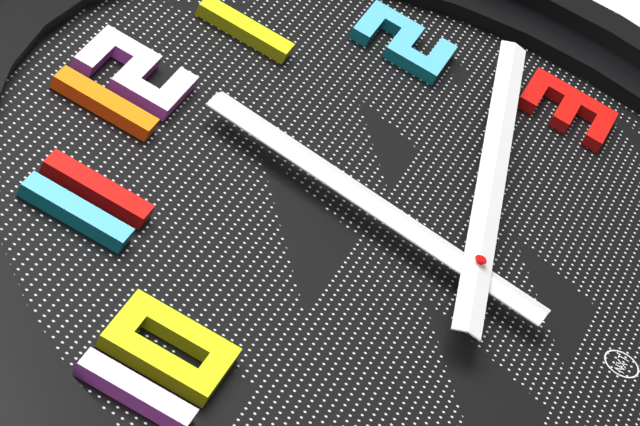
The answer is 12:13
